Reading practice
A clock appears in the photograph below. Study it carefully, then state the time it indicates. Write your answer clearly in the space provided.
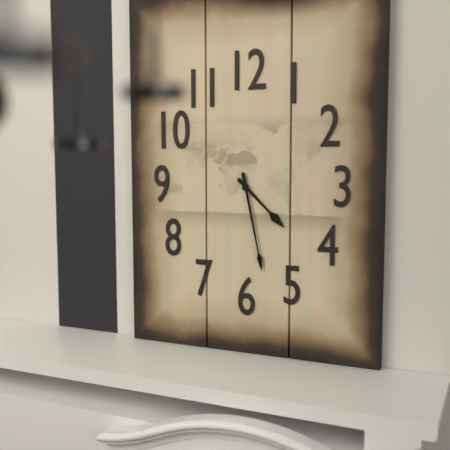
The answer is 4:28
